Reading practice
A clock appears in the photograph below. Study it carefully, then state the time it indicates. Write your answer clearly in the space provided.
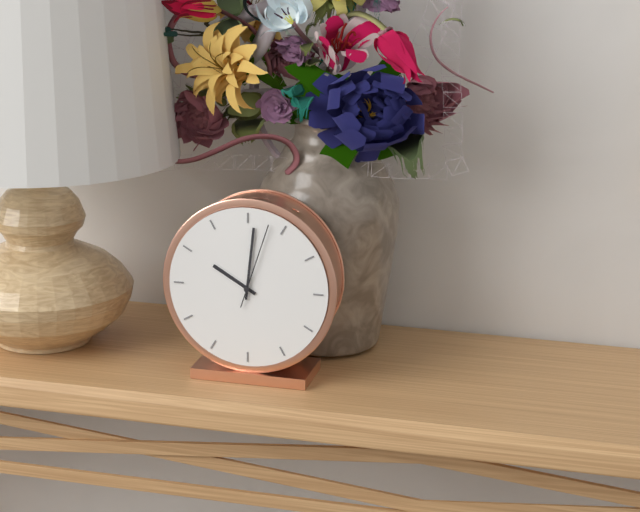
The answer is 10:01:03
